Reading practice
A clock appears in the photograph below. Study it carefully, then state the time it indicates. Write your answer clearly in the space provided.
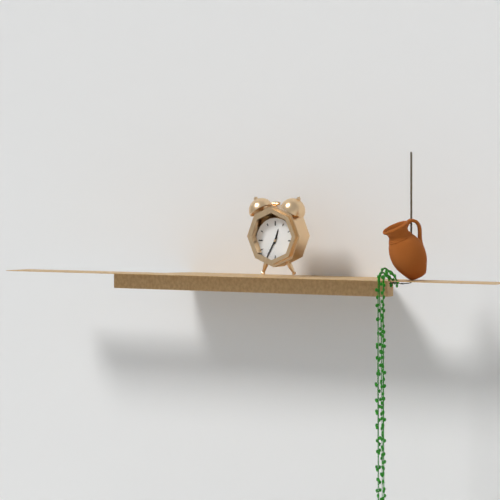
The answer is 12:35
